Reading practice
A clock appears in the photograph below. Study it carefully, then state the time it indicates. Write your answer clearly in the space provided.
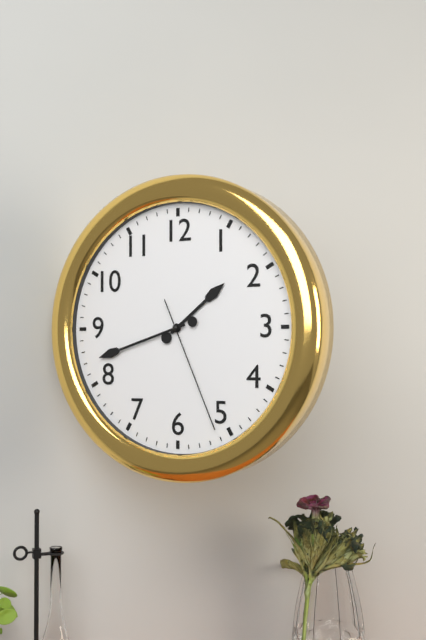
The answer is 1:42:26
